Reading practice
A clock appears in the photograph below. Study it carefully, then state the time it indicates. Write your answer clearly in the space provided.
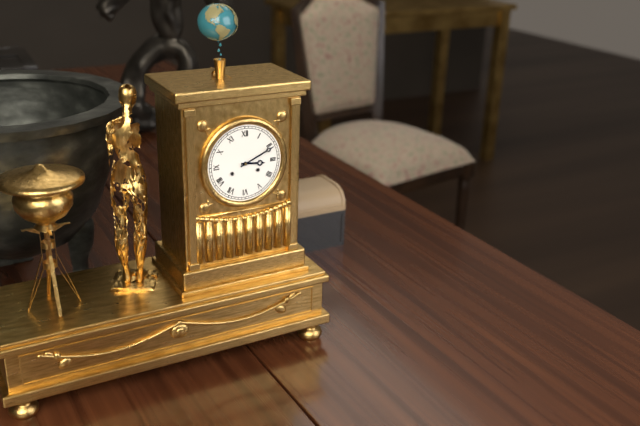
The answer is 3:11
